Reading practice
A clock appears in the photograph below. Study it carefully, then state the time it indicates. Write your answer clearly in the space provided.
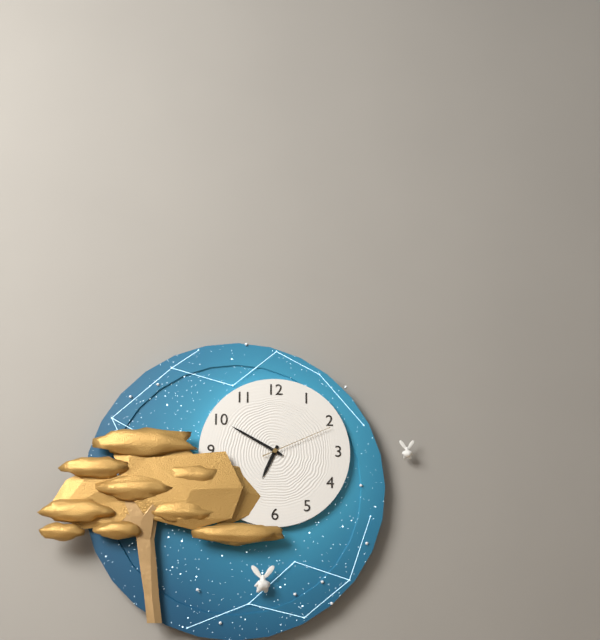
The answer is 6:50:11
